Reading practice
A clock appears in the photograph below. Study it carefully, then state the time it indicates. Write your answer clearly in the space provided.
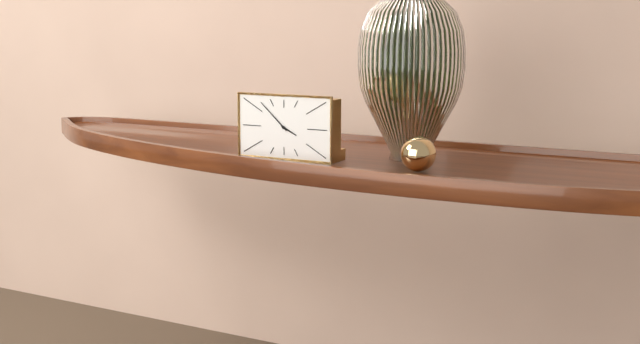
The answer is 3:52
